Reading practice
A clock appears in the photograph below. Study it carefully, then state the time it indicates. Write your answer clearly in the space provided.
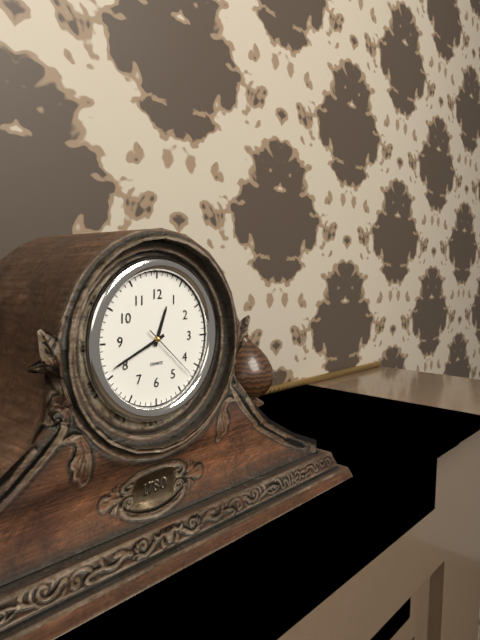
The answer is 12:41:22
